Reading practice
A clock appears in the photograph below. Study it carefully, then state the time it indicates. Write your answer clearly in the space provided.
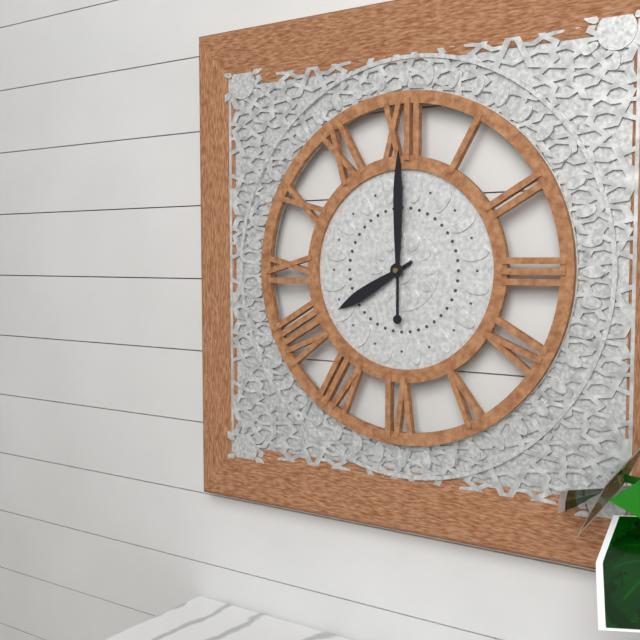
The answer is 8:00
